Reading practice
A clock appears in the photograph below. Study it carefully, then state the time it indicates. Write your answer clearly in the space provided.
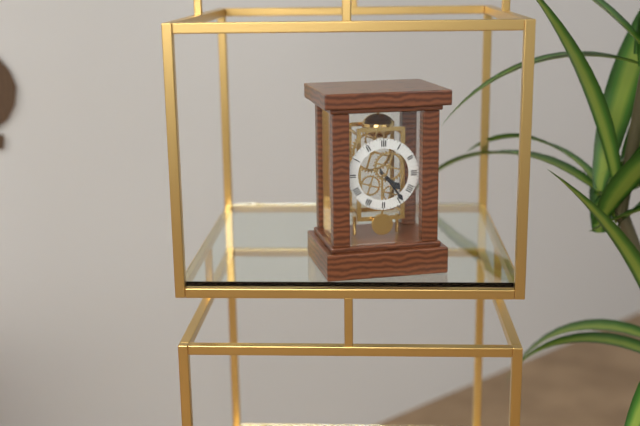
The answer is 4:24
